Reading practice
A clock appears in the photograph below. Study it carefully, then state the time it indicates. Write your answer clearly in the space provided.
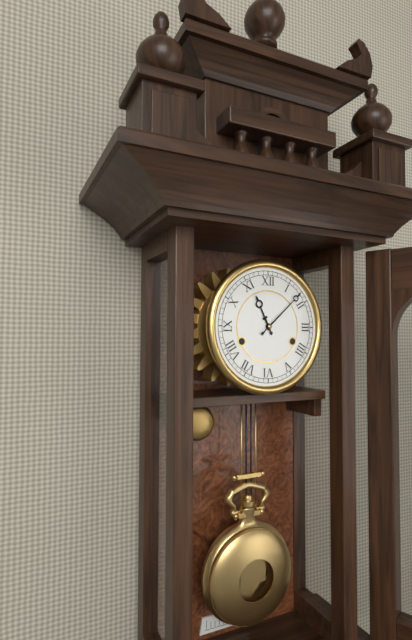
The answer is 11:08
